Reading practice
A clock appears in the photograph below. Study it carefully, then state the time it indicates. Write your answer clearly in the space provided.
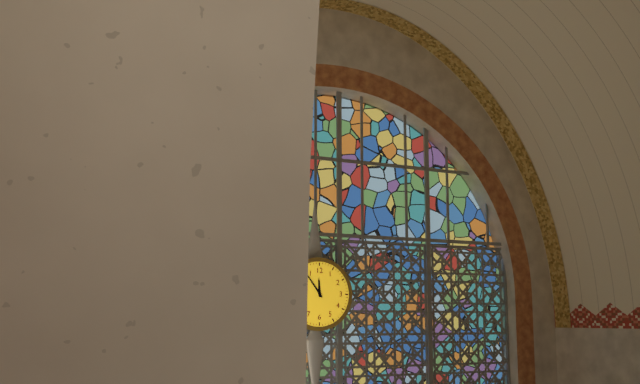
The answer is 11:54
